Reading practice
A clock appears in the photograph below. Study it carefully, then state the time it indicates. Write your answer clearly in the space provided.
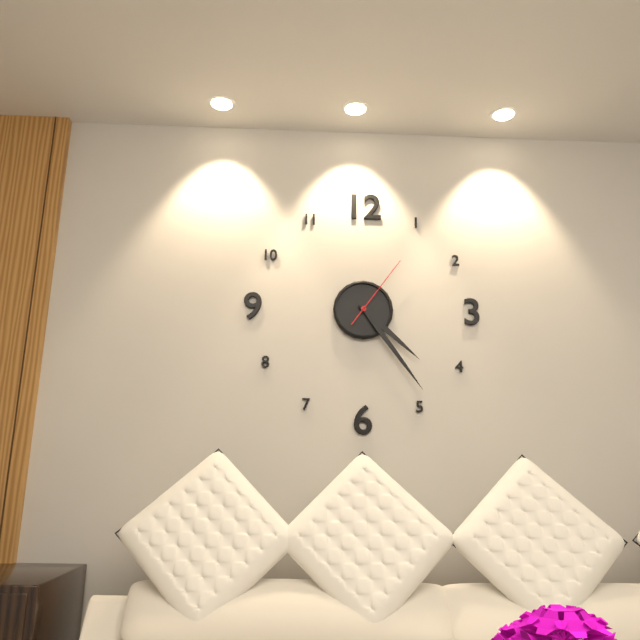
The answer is 4:24:06
